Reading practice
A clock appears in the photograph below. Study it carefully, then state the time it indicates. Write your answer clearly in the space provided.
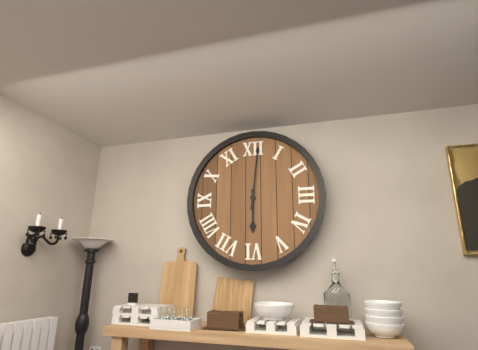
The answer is 6:01
